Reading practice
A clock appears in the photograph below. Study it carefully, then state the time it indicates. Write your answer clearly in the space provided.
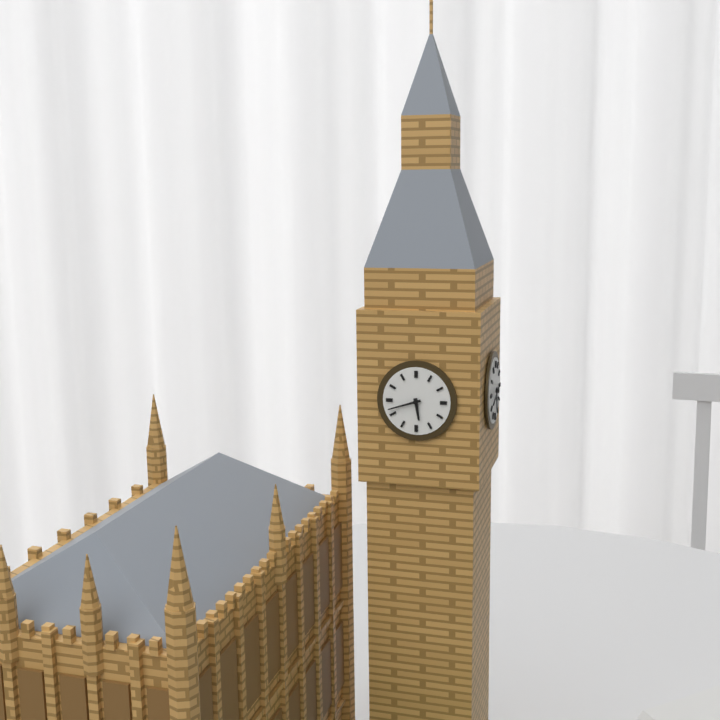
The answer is 5:42
